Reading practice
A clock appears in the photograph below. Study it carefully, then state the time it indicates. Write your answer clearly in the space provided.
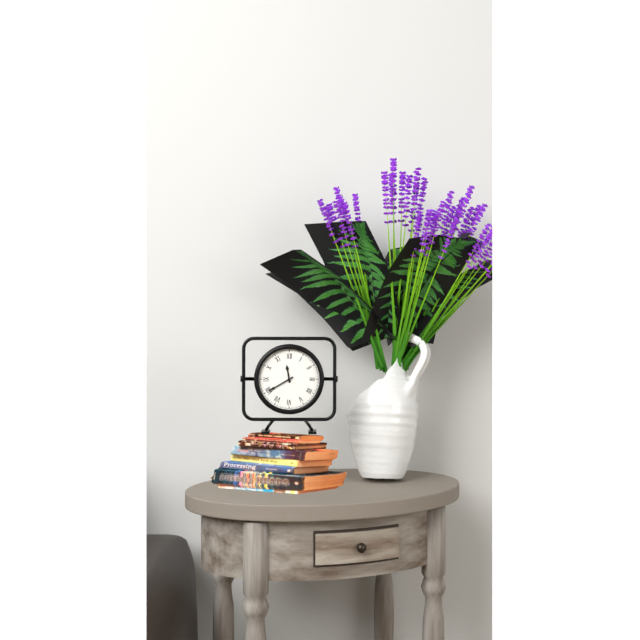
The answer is 11:40
